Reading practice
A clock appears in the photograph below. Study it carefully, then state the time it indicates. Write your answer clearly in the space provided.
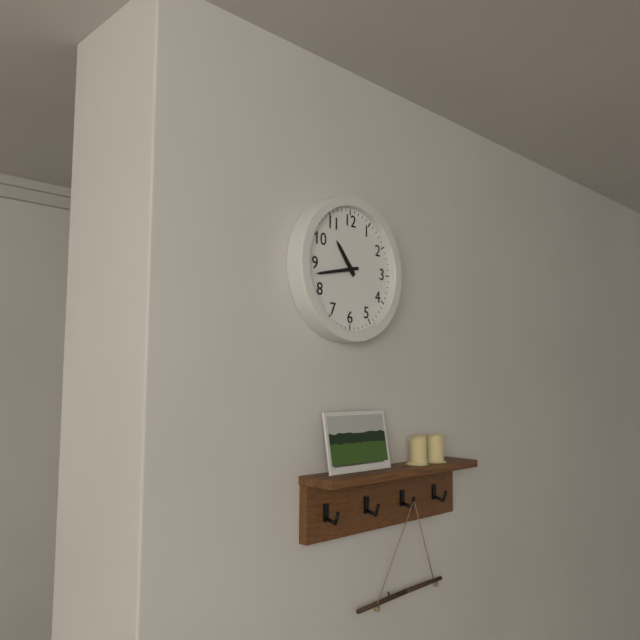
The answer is 10:43
